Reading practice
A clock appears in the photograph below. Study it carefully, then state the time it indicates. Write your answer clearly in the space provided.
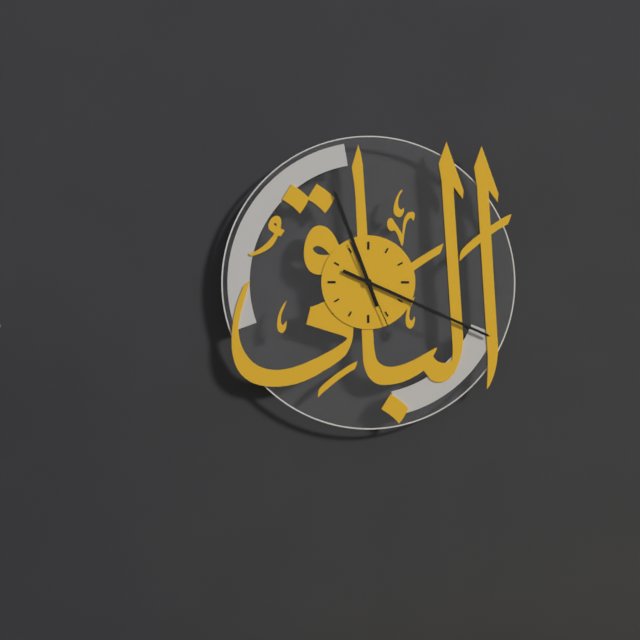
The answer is 11:19:26
